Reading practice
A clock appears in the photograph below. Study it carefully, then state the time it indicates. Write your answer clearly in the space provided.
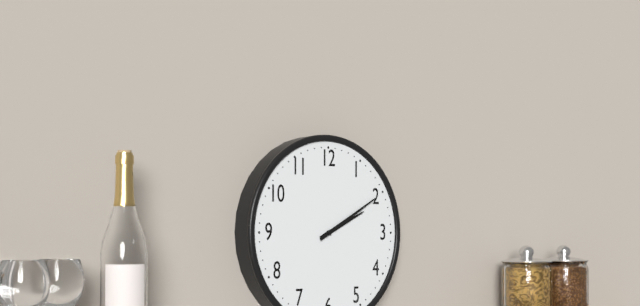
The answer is 2:10
